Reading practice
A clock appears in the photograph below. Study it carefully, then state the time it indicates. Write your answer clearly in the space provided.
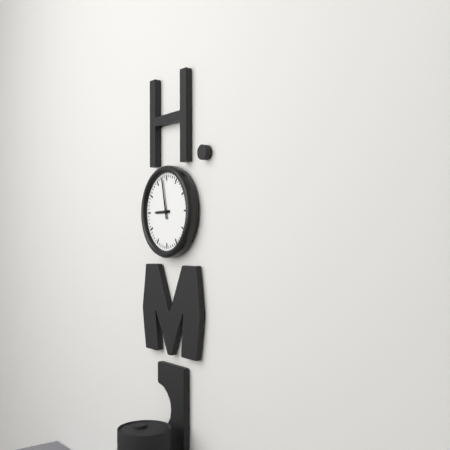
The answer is 8:58
